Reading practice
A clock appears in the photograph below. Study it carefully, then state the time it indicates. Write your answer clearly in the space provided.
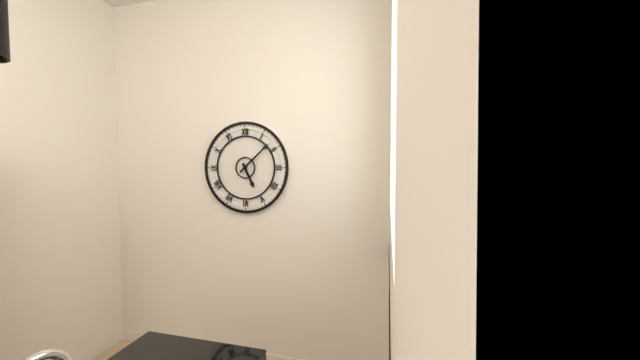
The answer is 5:08
